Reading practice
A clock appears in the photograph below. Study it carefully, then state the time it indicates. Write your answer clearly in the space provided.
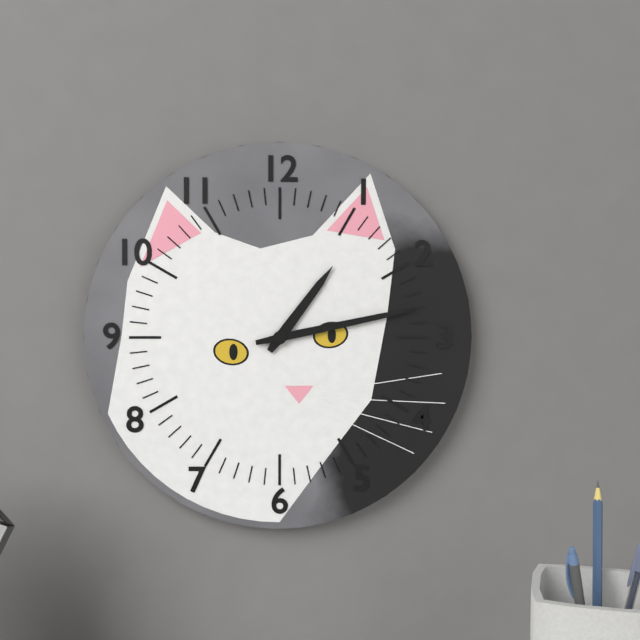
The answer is 1:13
